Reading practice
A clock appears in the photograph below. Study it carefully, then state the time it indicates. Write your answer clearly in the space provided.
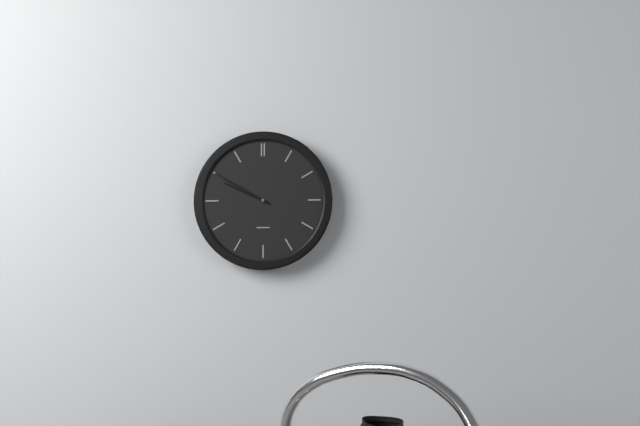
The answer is 9:50
